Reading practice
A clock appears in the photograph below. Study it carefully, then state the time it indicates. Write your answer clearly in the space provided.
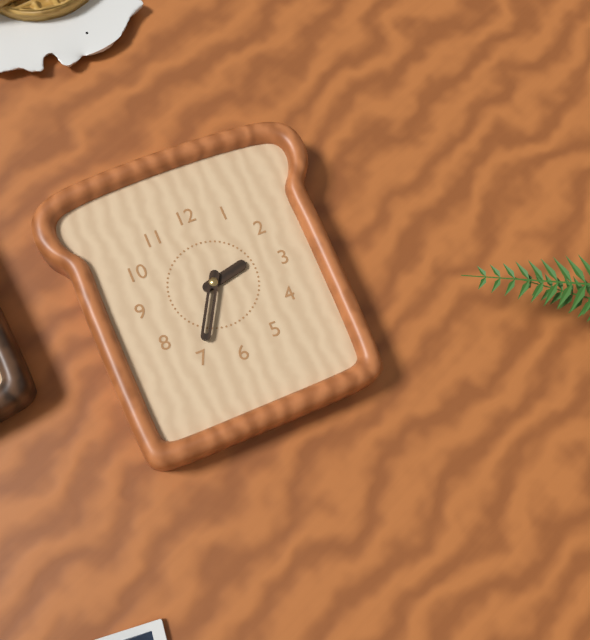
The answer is 2:35
